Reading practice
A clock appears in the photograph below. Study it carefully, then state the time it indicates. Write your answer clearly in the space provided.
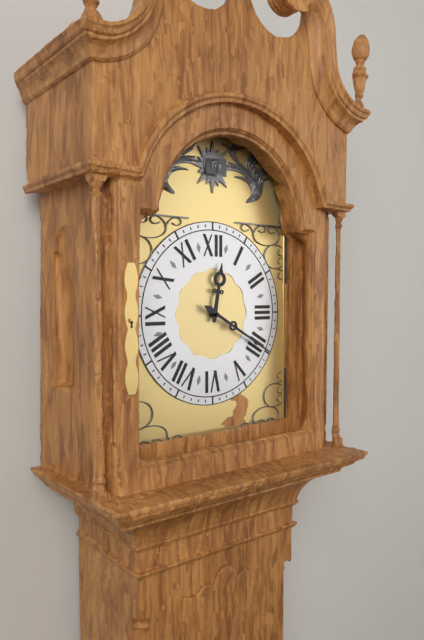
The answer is 12:20
